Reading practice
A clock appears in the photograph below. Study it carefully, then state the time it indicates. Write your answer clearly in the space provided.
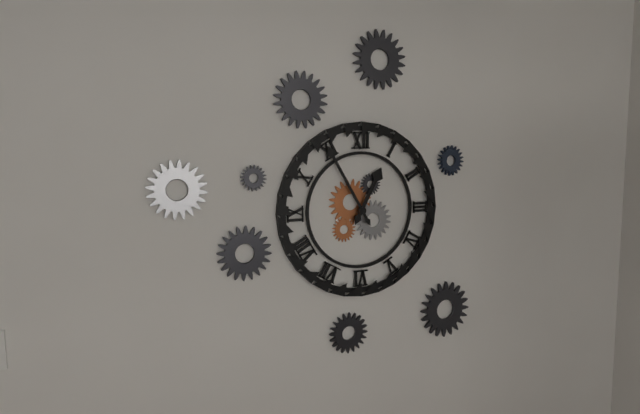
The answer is 12:55
